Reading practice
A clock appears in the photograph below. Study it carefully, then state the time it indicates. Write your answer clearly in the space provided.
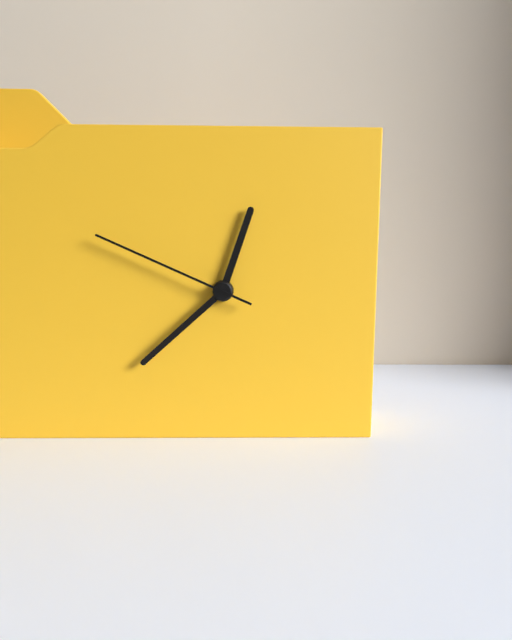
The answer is 12:38:49
